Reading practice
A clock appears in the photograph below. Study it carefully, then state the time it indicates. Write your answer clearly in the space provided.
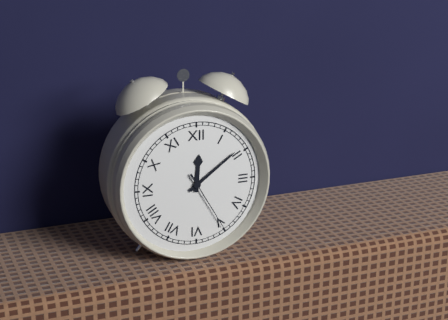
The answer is 12:09:25
